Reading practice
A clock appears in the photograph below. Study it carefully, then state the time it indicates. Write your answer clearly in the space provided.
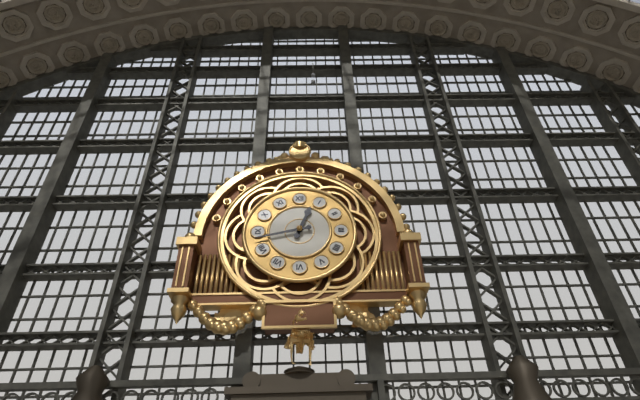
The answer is 12:43
